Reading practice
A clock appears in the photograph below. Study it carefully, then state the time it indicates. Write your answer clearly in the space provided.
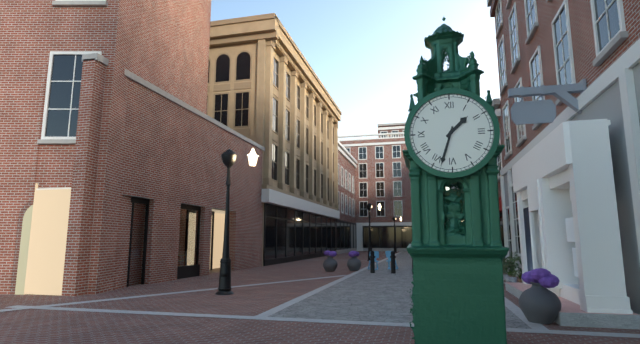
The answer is 1:33
